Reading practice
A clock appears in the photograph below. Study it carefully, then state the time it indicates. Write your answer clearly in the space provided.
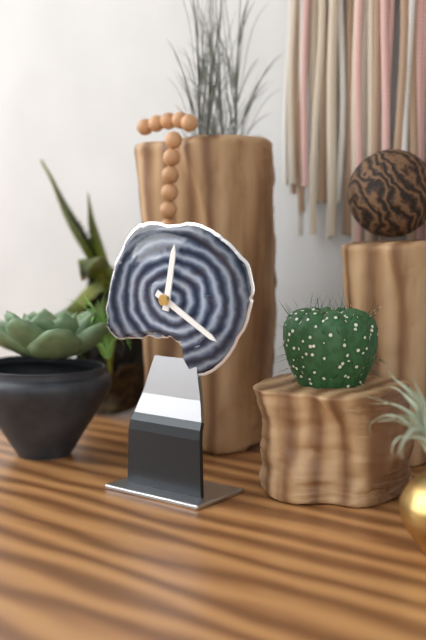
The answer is 12:20
